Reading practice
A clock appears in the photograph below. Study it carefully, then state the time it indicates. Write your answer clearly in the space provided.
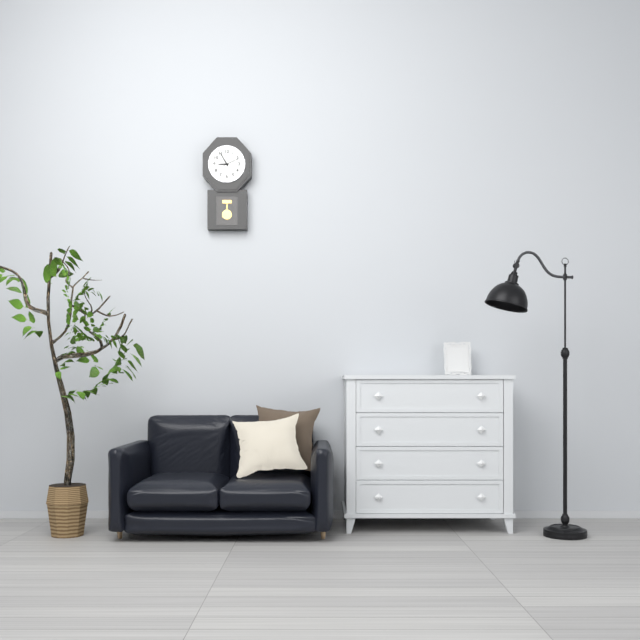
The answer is 8:55
